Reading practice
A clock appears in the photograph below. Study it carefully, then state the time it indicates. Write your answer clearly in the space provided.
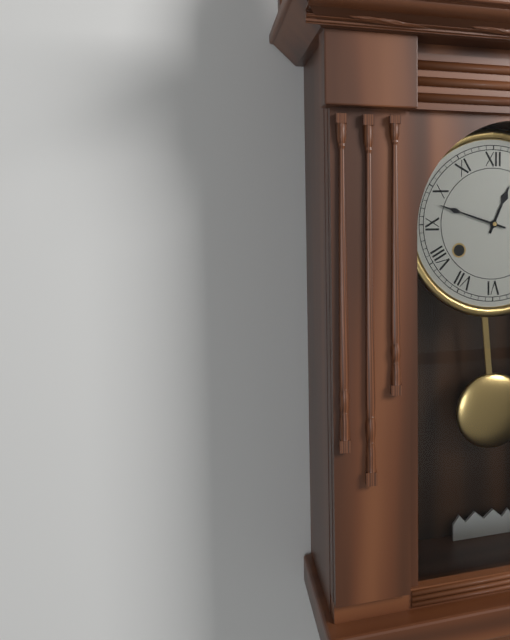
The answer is 12:48
